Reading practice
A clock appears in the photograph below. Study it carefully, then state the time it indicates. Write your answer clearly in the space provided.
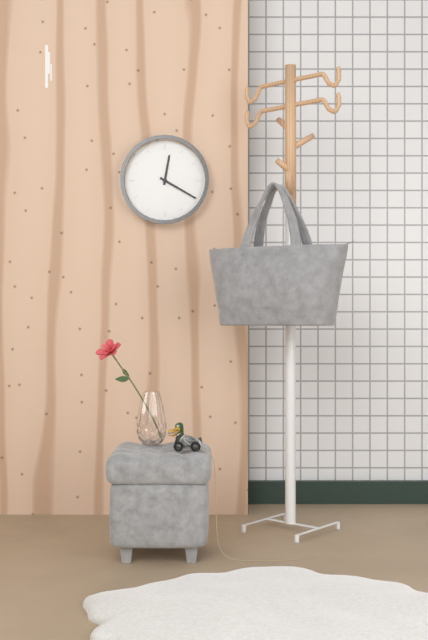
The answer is 12:20
